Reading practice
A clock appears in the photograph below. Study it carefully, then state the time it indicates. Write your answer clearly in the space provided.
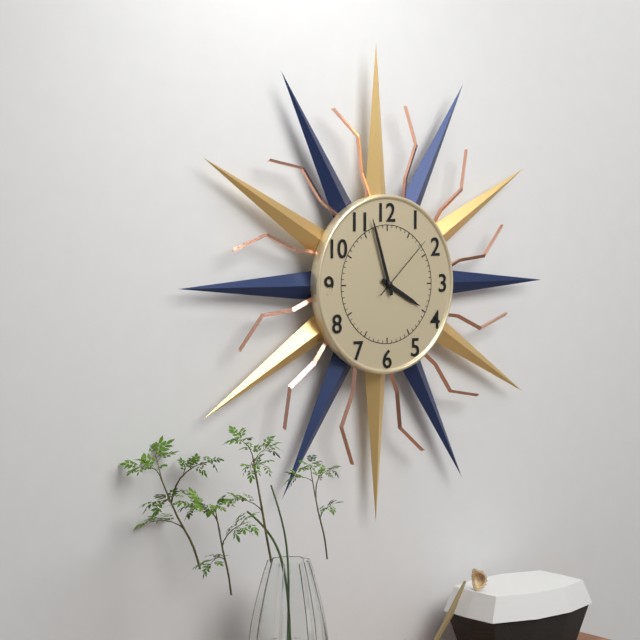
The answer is 3:57:08
